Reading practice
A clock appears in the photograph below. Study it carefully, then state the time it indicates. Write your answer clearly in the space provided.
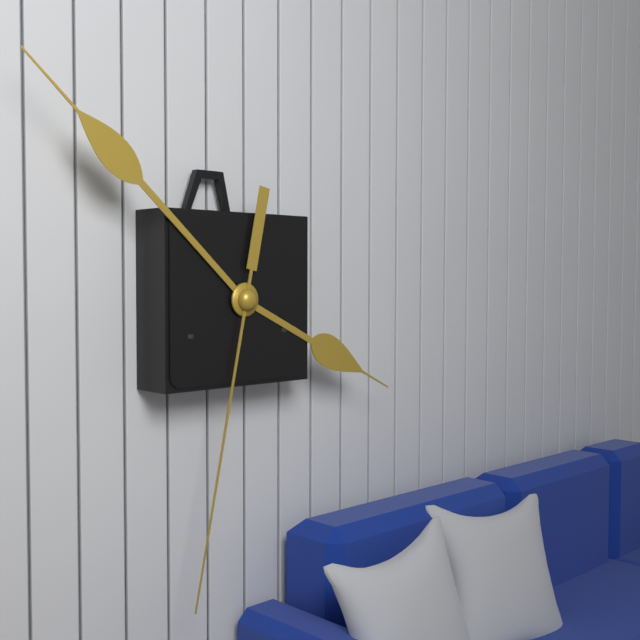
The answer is 3:52:32
